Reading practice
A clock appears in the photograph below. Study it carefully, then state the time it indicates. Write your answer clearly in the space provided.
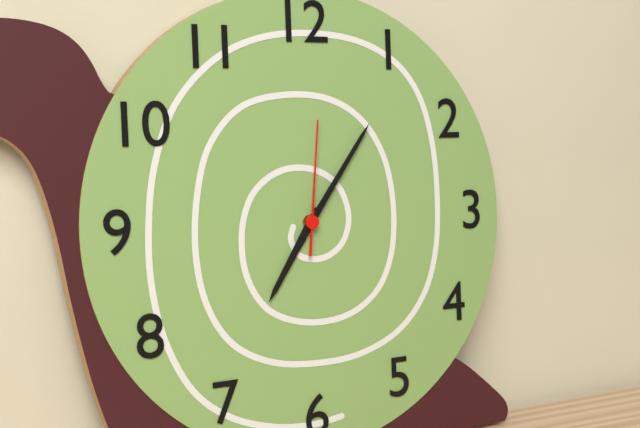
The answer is 7:06:01
